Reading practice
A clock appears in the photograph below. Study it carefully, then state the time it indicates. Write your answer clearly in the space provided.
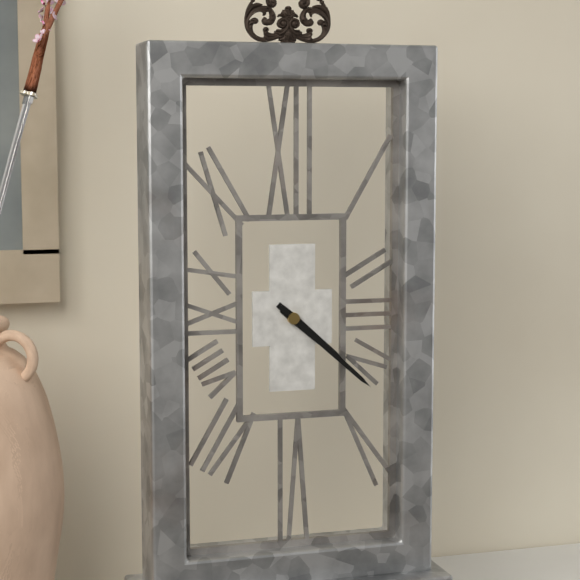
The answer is 4:22
